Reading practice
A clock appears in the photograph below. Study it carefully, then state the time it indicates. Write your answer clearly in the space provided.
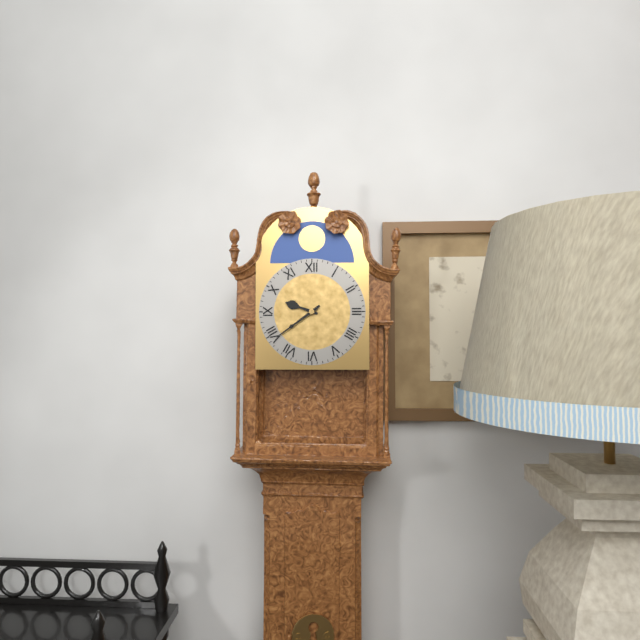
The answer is 9:39
